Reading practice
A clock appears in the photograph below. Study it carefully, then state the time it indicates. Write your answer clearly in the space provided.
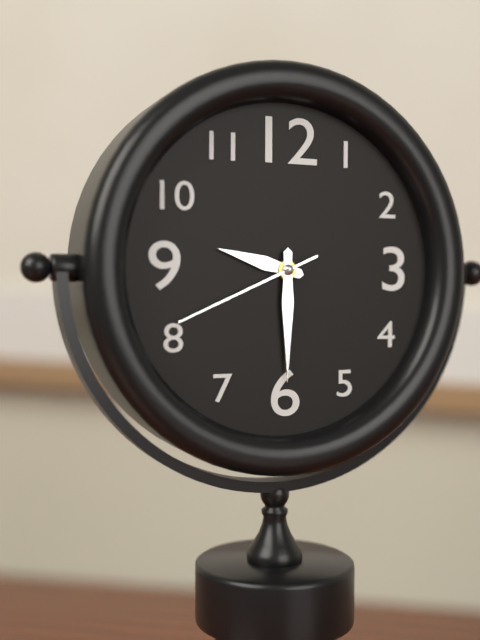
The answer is 9:30:41
